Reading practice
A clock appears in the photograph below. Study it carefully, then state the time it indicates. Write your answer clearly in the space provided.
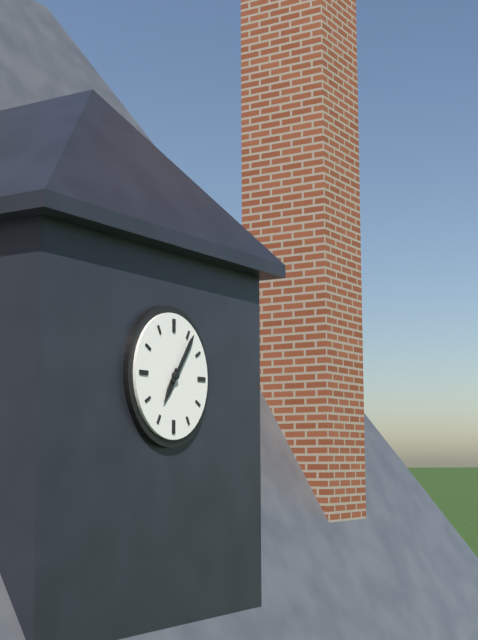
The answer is 7:06
